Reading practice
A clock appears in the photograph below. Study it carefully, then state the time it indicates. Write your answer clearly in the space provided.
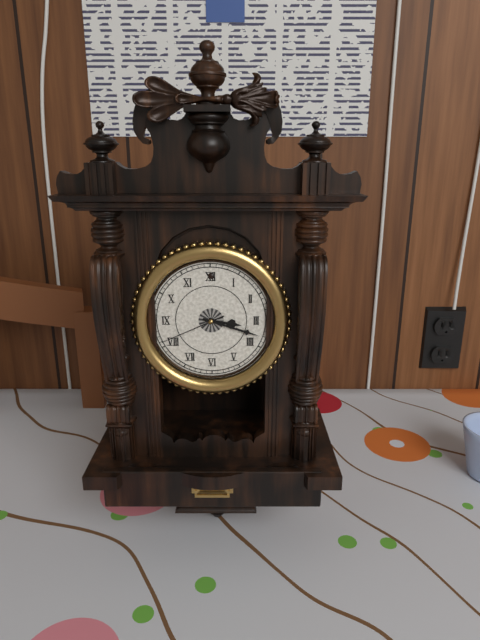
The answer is 3:18:41
